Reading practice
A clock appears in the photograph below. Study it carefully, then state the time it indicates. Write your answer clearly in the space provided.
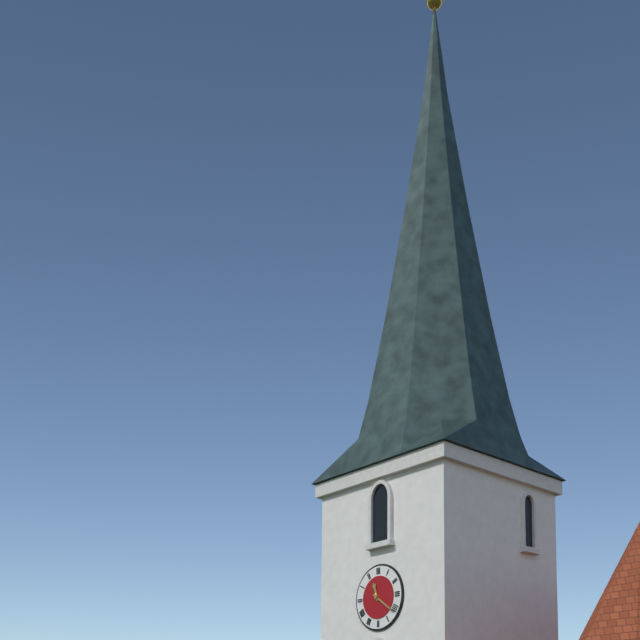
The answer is 11:21
